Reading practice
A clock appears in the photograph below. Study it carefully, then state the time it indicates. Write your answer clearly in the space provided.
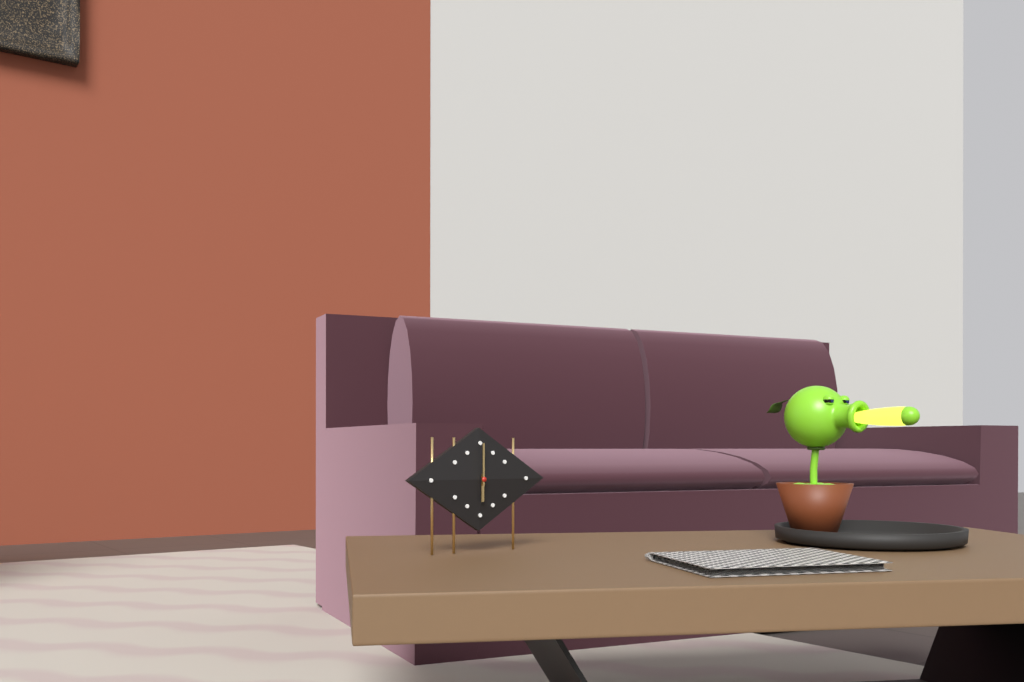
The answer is 6:00
